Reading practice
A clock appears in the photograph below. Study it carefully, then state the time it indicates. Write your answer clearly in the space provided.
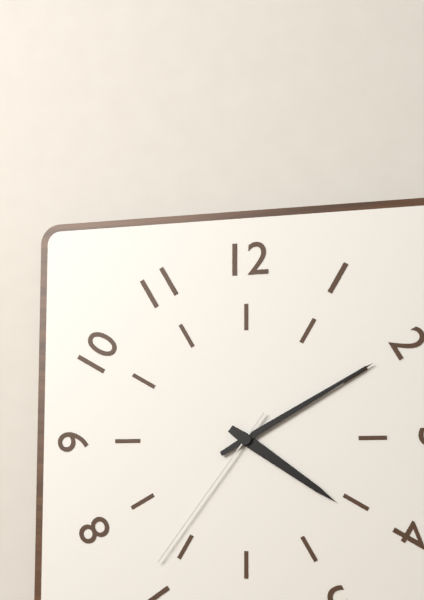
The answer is 4:10:36
